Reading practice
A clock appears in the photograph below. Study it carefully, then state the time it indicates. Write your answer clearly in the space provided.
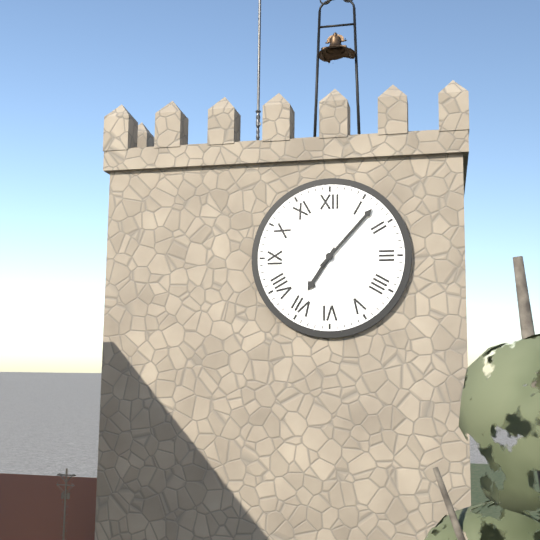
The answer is 7:07
